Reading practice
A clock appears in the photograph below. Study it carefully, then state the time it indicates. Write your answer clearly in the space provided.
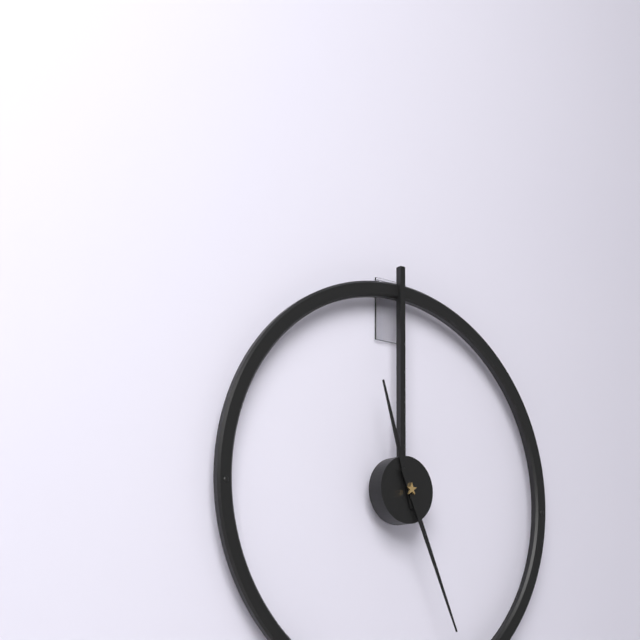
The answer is 11:26
